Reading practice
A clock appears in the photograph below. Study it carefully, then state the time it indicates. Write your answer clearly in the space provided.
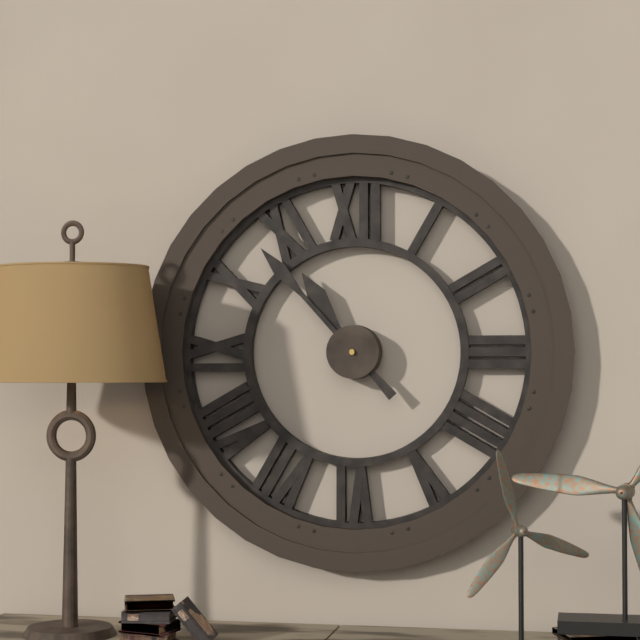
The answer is 10:53
